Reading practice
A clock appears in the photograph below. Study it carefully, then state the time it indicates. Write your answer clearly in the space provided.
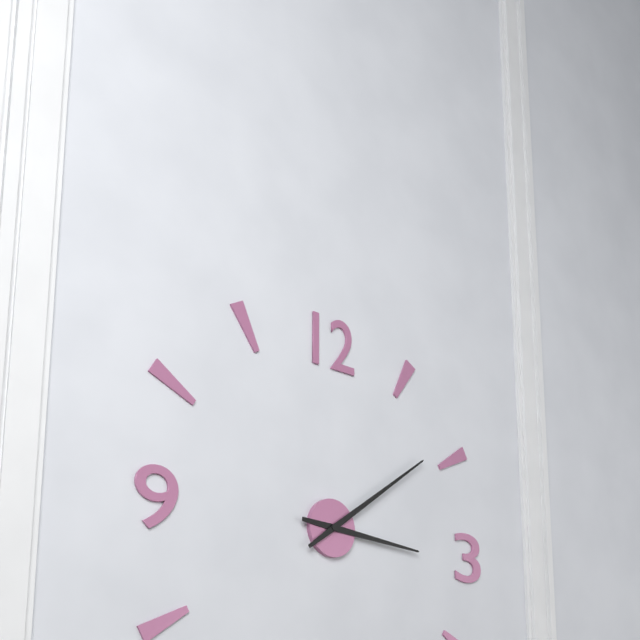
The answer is 3:09
